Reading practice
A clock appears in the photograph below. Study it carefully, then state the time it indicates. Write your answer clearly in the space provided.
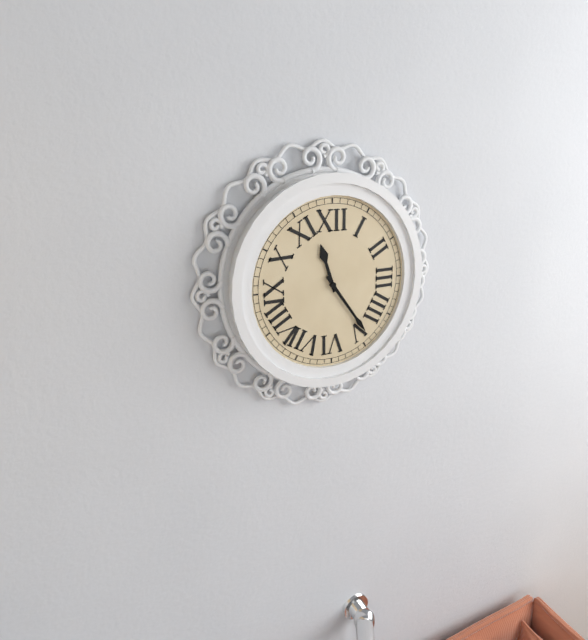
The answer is 11:24
